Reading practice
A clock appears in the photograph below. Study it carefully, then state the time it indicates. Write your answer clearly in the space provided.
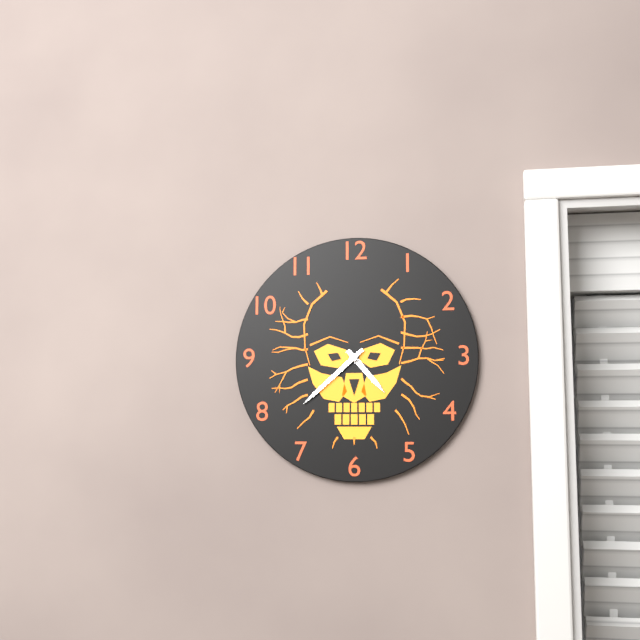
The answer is 4:38
